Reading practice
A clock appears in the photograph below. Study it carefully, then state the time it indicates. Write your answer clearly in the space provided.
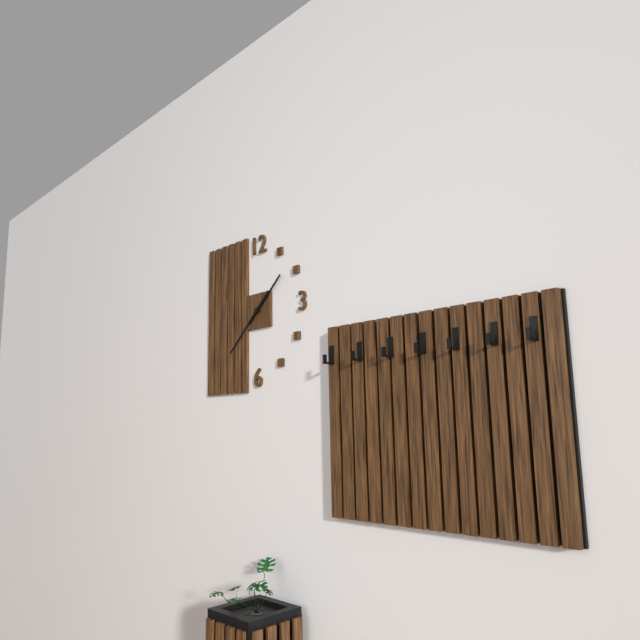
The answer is 1:38
